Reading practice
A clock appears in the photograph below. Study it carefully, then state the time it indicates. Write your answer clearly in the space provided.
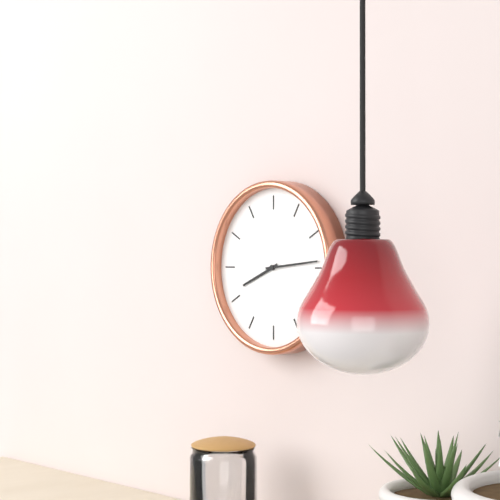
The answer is 8:14
